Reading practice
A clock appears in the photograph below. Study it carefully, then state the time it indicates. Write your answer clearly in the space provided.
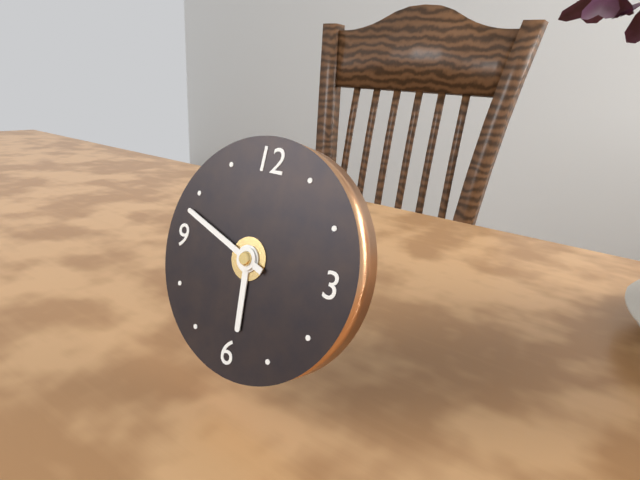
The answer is 5:48
